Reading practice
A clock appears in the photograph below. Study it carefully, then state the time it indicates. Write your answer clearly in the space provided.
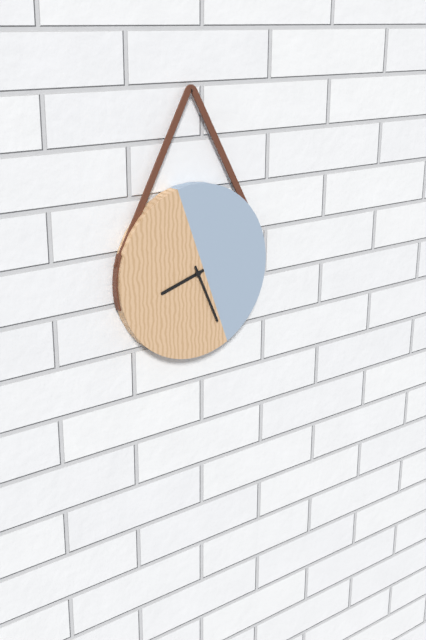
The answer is 8:26
